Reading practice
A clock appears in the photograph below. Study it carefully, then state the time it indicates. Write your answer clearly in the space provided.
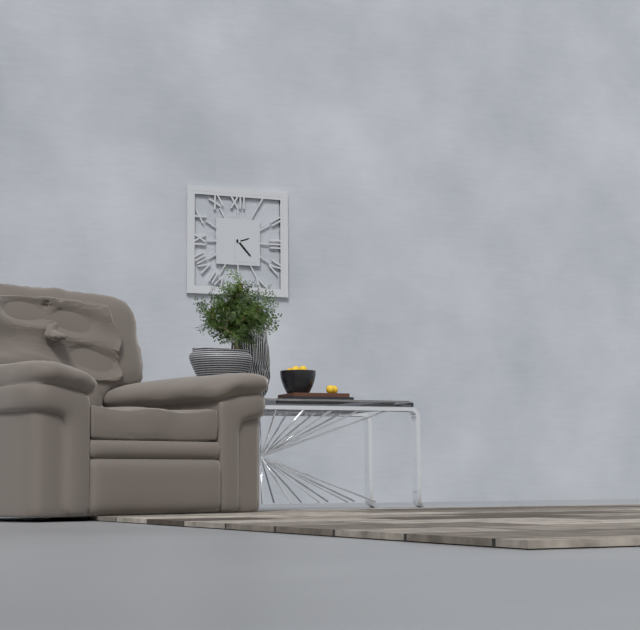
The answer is 2:23
